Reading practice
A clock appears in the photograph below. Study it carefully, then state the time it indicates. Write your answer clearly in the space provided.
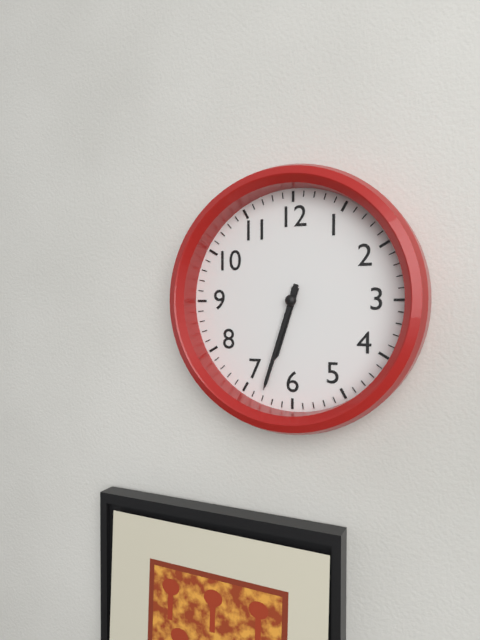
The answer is 6:33
